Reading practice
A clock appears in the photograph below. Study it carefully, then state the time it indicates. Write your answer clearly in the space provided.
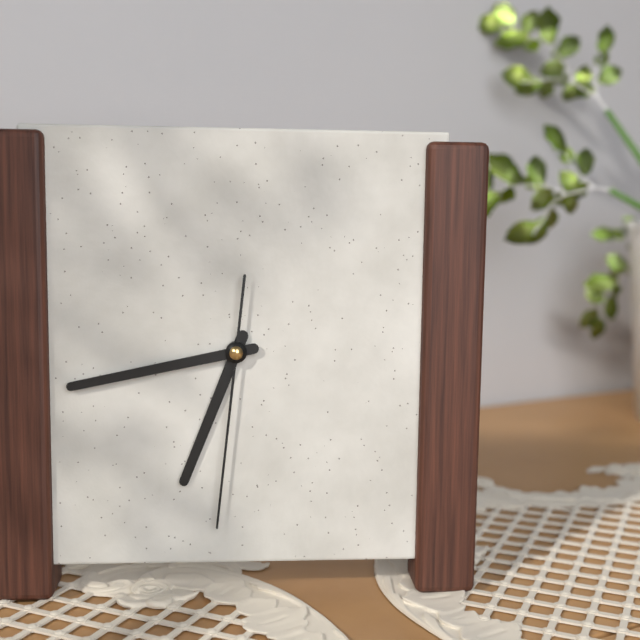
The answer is 6:43:31
